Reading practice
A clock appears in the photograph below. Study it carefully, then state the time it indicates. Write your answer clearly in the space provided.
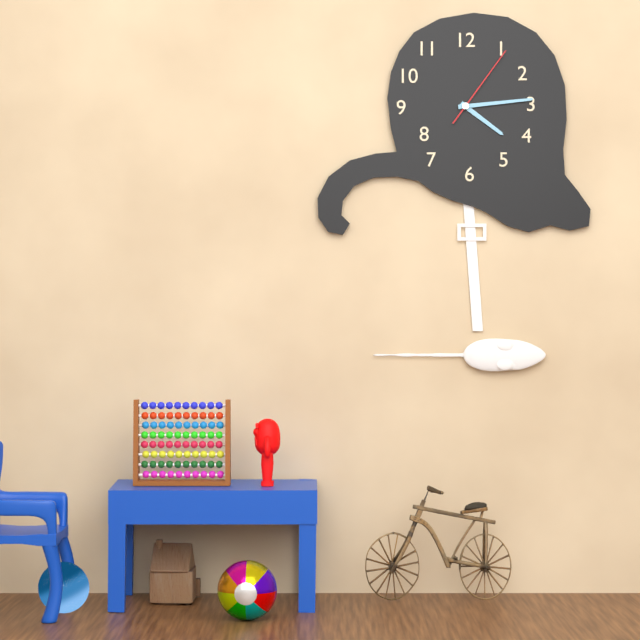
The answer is 4:14:06
